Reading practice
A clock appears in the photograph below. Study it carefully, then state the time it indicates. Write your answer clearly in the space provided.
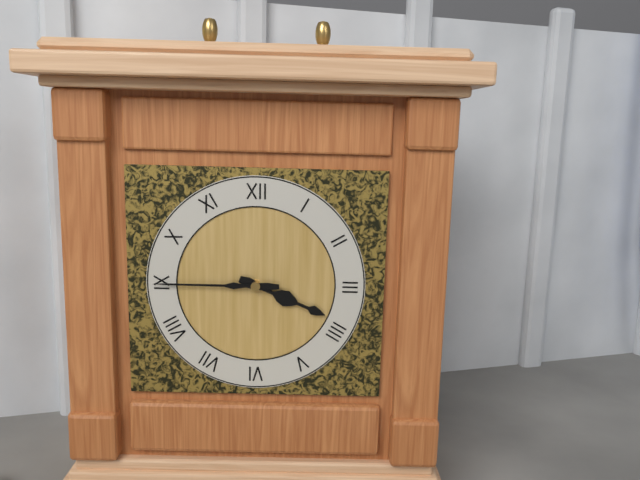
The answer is 3:45
